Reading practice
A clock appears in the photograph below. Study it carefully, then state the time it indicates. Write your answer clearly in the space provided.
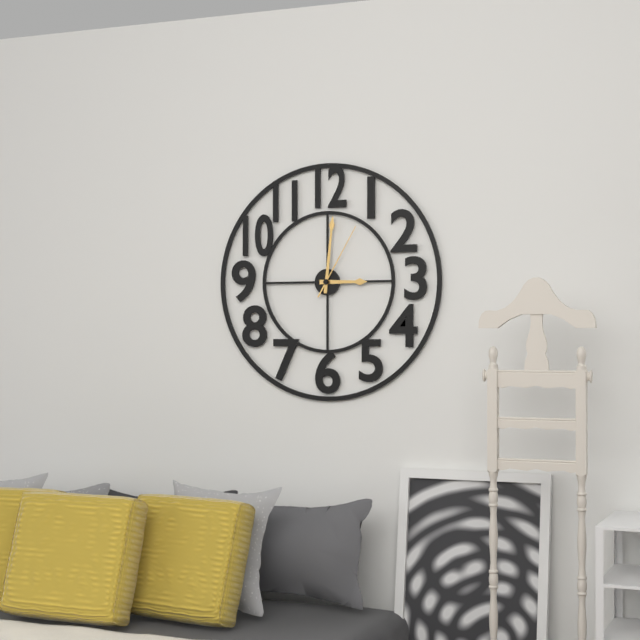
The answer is 3:01:05
